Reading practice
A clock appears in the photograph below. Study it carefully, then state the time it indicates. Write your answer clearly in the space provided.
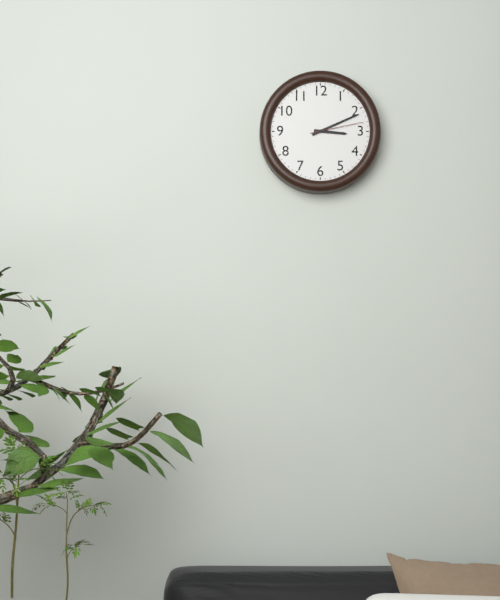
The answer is 3:11:13
